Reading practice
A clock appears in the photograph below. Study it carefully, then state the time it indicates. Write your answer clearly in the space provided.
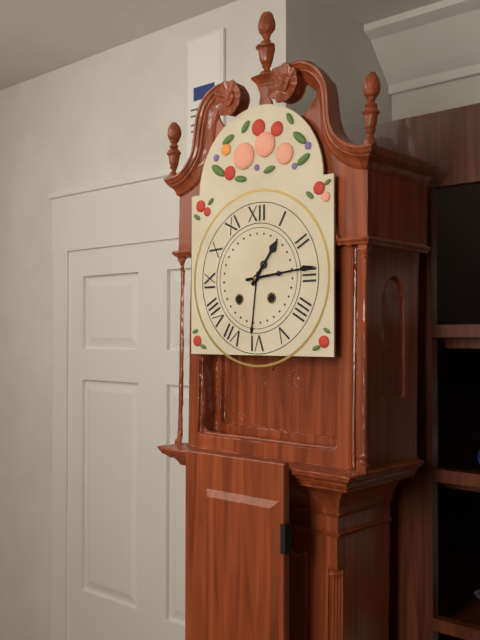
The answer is 1:14
